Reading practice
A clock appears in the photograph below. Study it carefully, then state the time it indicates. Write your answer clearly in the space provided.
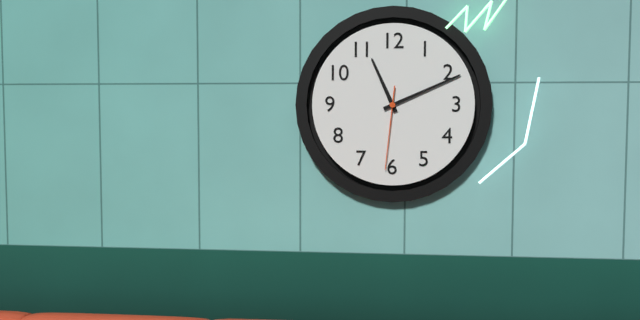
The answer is 11:11:31
